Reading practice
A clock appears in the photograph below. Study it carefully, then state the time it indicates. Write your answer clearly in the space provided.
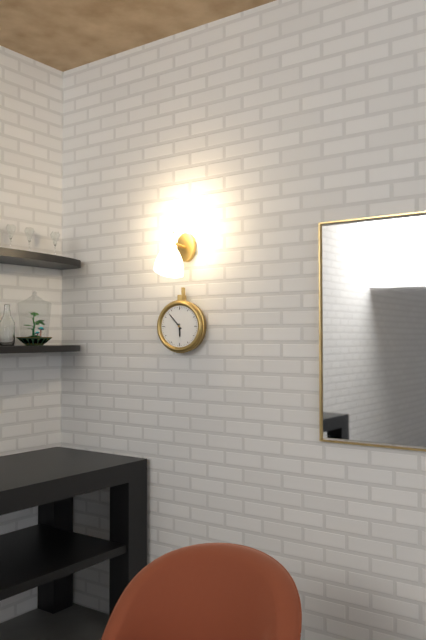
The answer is 5:53
